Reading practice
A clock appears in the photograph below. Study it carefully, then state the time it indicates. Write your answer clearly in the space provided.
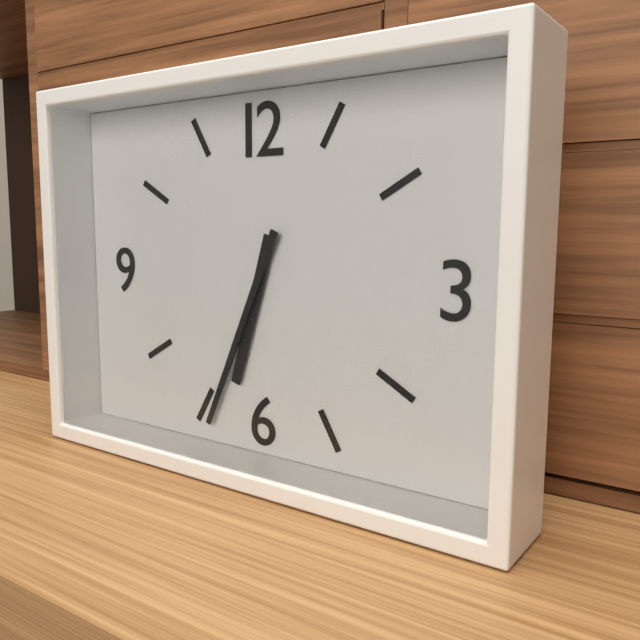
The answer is 6:34
